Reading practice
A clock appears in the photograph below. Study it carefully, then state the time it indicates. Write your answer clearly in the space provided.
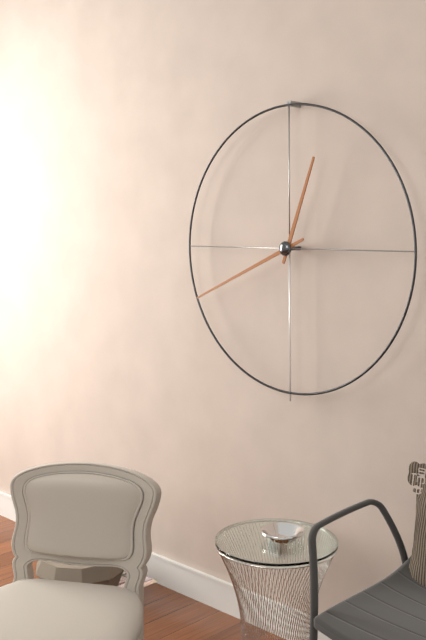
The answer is 12:41
